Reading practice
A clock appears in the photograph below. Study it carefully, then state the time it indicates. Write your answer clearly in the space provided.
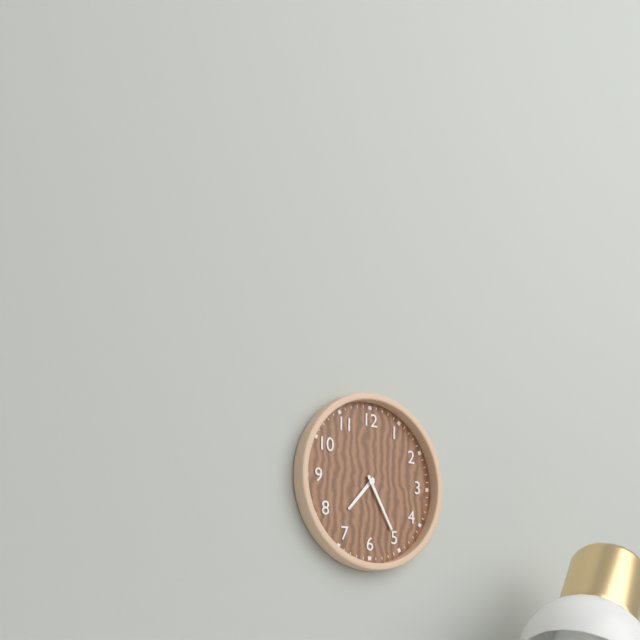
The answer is 7:25
